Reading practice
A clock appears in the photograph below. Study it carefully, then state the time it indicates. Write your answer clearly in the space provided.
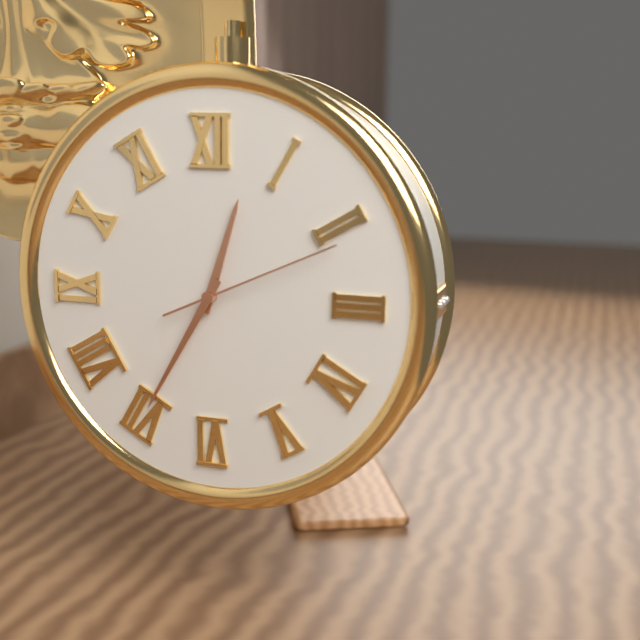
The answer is 12:35:11
